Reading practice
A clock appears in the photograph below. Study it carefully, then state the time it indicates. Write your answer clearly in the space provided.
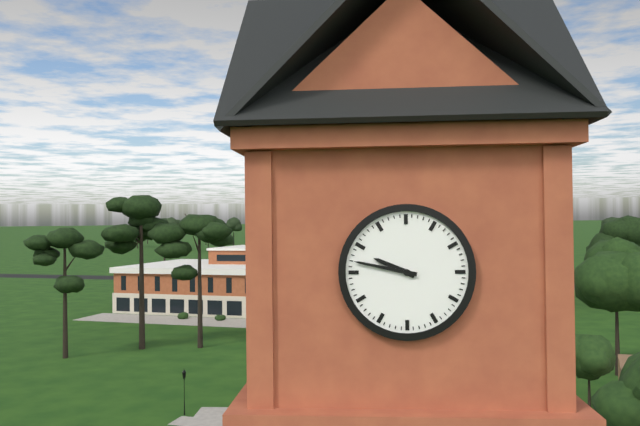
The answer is 9:47
